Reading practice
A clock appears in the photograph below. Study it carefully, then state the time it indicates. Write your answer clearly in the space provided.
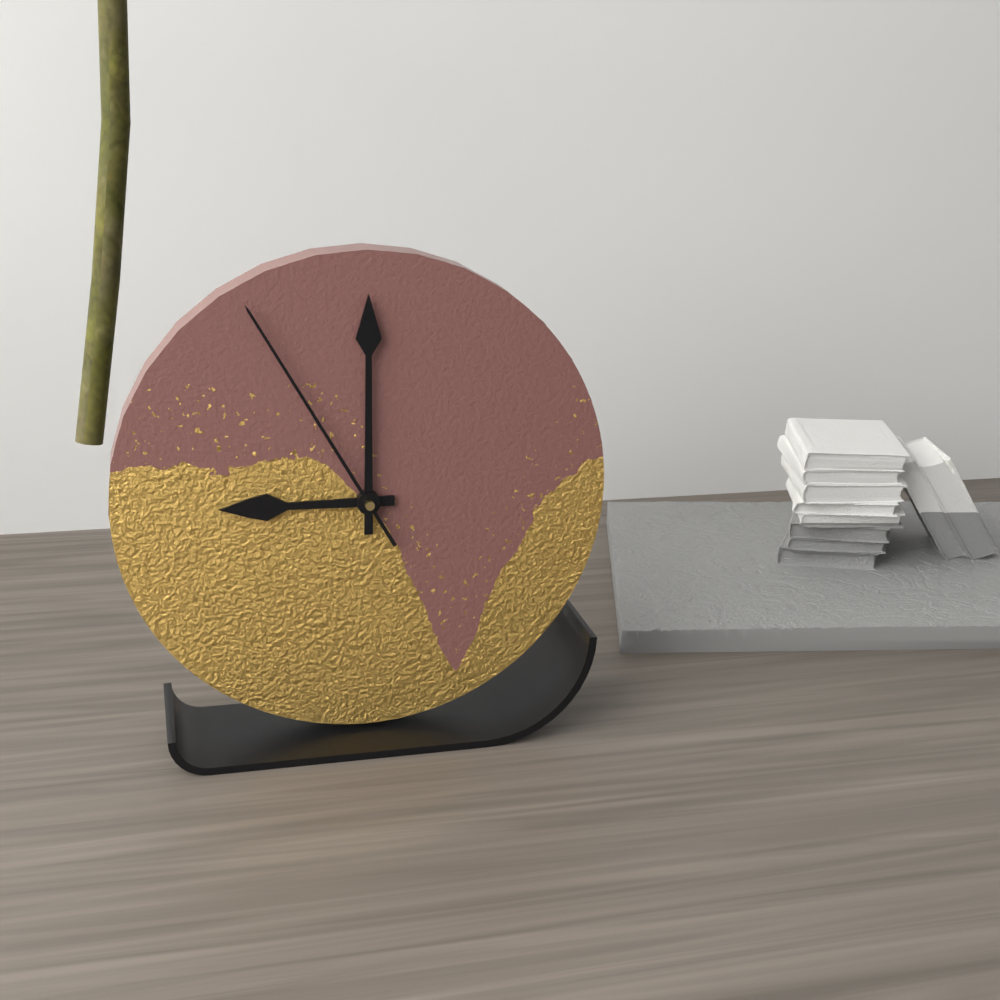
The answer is 9:00:55
